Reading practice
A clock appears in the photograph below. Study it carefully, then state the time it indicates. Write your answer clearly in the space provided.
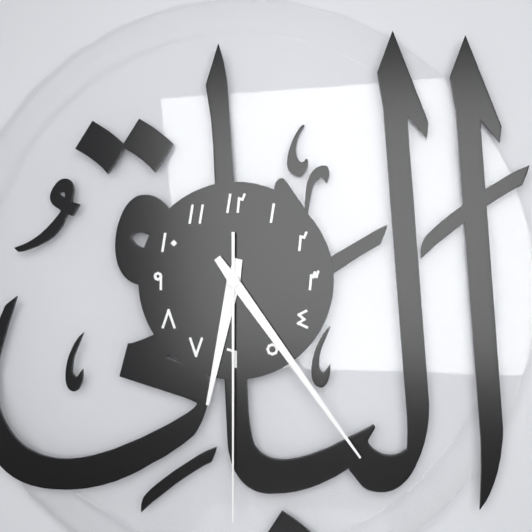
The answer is 6:24:30
